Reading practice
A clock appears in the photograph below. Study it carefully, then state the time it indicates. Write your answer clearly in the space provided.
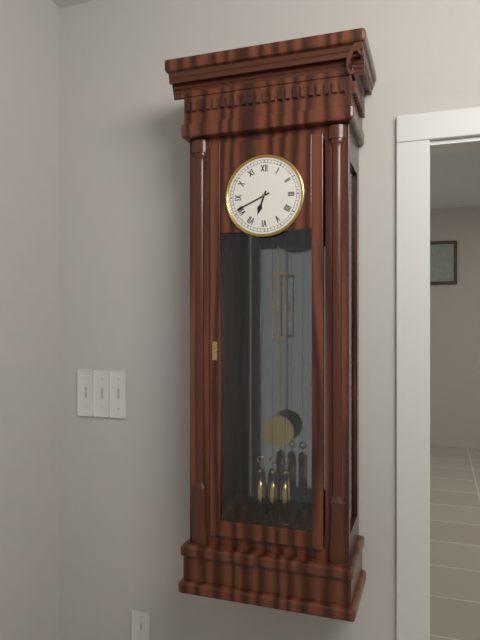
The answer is 6:41
